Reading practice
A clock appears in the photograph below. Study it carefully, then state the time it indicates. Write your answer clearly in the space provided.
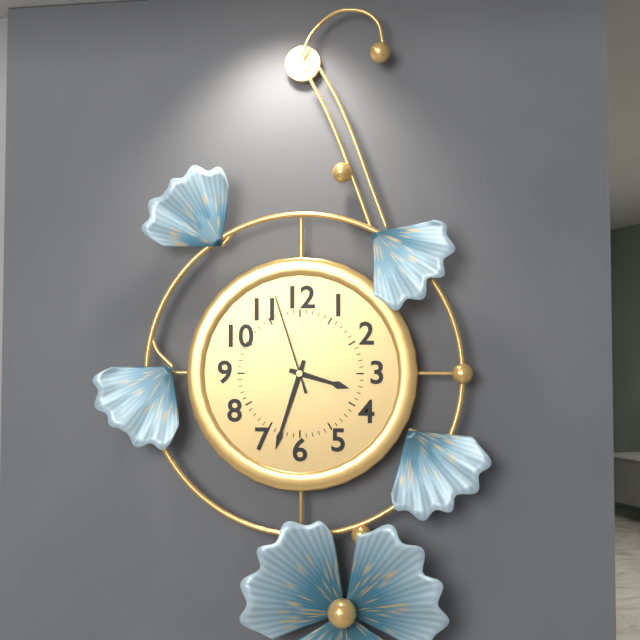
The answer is 3:33:57
